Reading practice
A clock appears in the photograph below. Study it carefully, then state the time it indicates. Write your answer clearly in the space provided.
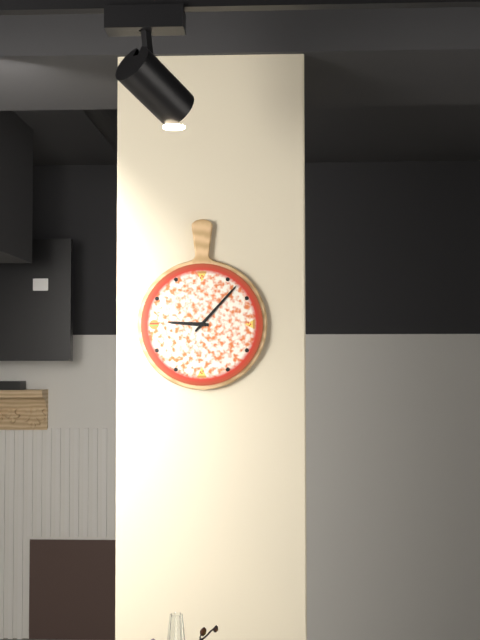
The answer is 9:07
